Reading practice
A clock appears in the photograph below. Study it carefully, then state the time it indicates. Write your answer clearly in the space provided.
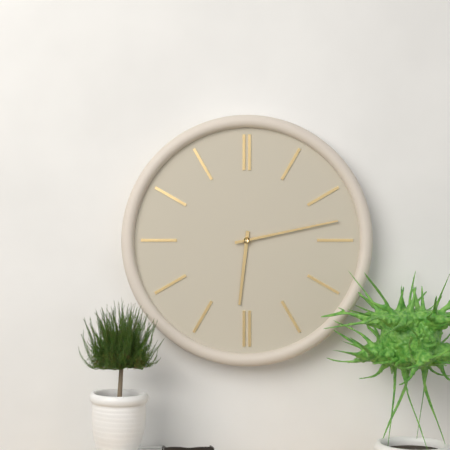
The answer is 6:13
